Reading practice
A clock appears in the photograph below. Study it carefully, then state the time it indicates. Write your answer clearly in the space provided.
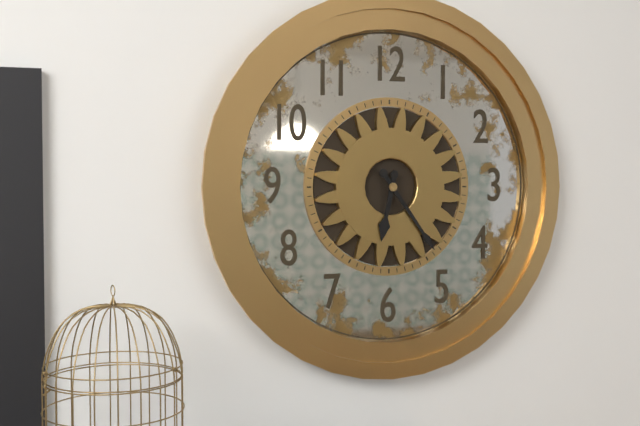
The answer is 6:24
